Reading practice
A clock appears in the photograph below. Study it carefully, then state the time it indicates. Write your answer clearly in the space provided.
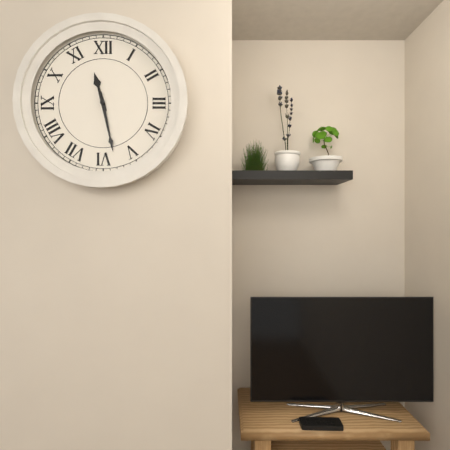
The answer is 11:28
